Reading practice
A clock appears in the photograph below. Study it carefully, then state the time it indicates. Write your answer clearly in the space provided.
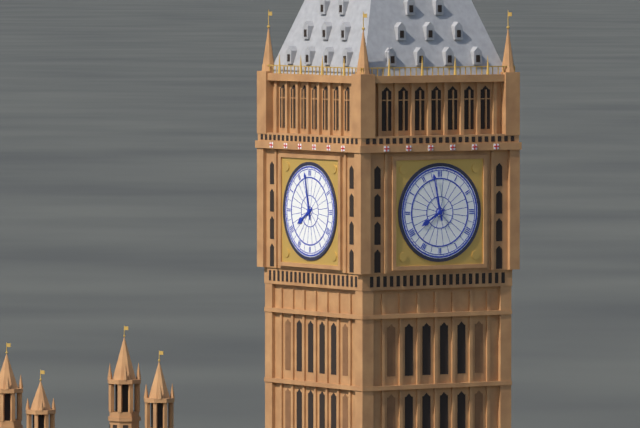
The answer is 7:58
